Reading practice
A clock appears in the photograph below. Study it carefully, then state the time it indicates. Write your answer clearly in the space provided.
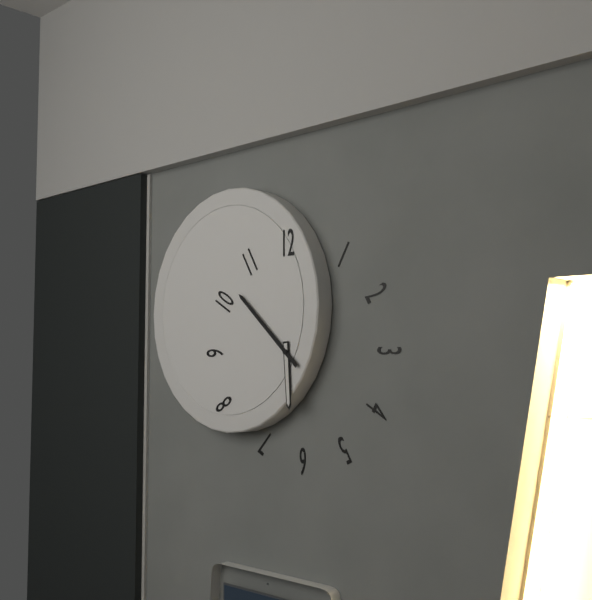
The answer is 5:52
